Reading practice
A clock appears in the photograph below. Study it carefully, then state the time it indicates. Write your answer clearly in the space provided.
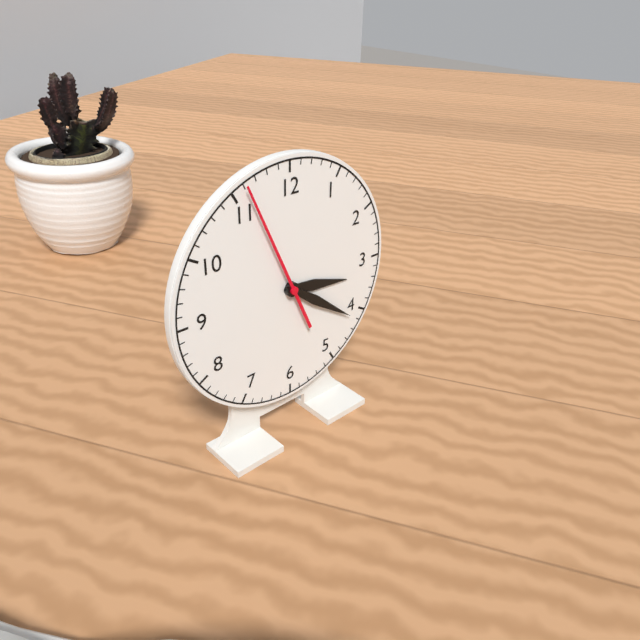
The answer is 3:21:56
